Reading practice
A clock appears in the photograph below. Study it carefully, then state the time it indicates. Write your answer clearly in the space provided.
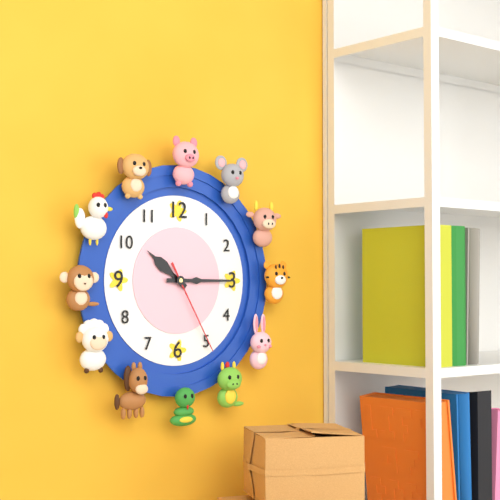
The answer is 10:15:25
